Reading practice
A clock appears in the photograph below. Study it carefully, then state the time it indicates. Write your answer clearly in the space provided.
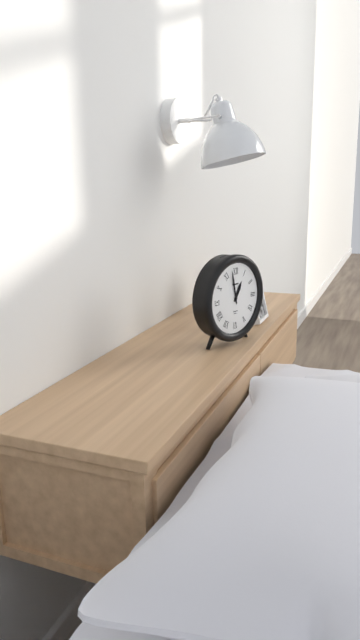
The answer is 12:58
